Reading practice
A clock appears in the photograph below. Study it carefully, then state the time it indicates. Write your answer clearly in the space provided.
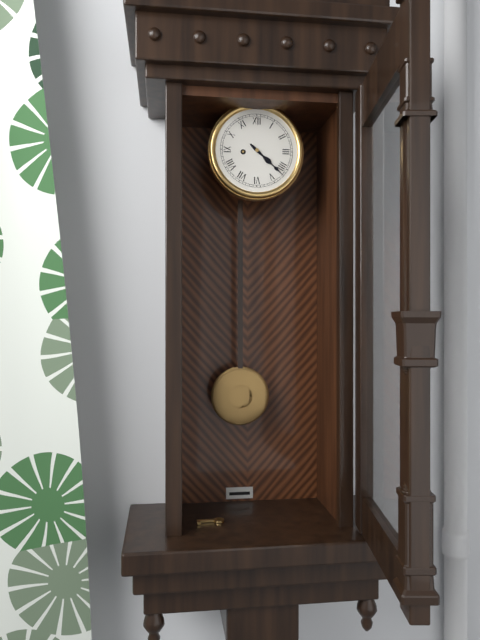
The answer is 4:22
